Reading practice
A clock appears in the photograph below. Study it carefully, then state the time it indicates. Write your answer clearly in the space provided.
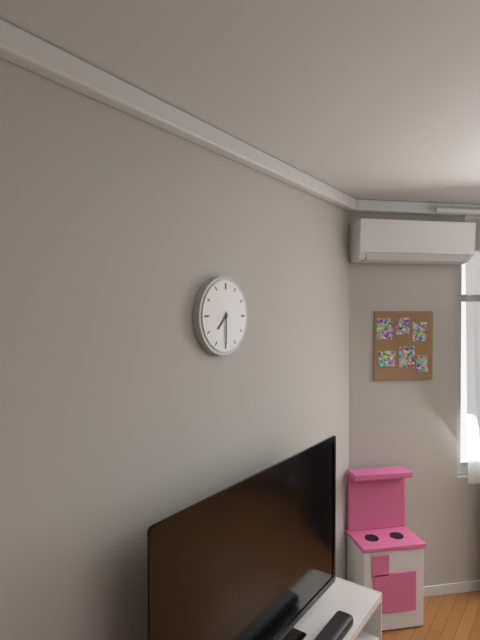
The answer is 7:30
